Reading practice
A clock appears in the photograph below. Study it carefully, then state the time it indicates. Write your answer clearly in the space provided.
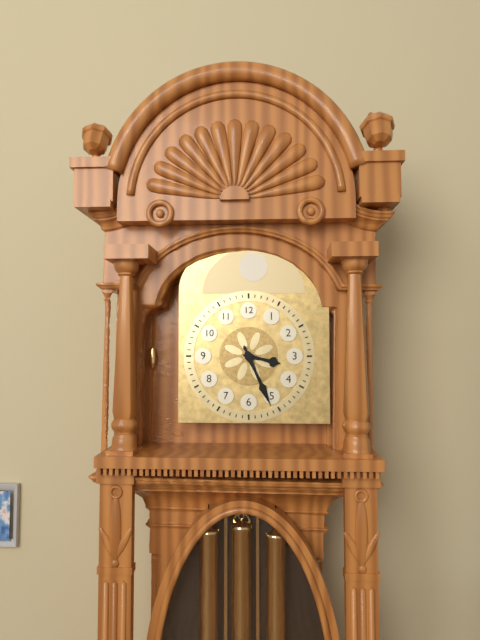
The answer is 3:26
